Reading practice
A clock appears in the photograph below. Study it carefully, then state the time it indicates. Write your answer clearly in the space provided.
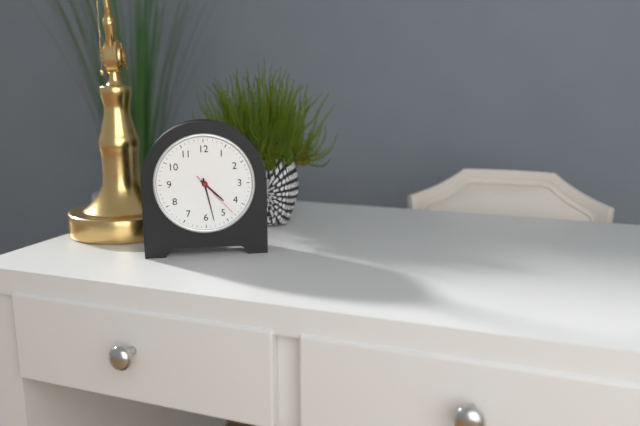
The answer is 4:28:23
